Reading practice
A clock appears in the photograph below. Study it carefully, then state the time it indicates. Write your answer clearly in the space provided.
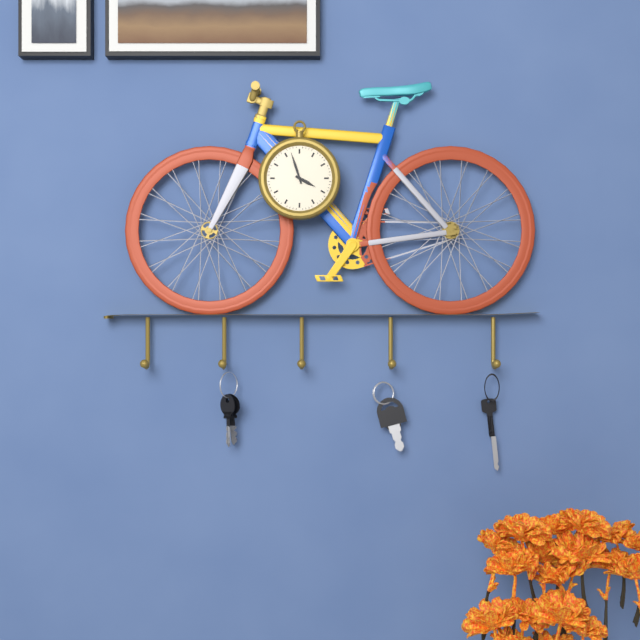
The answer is 3:57
